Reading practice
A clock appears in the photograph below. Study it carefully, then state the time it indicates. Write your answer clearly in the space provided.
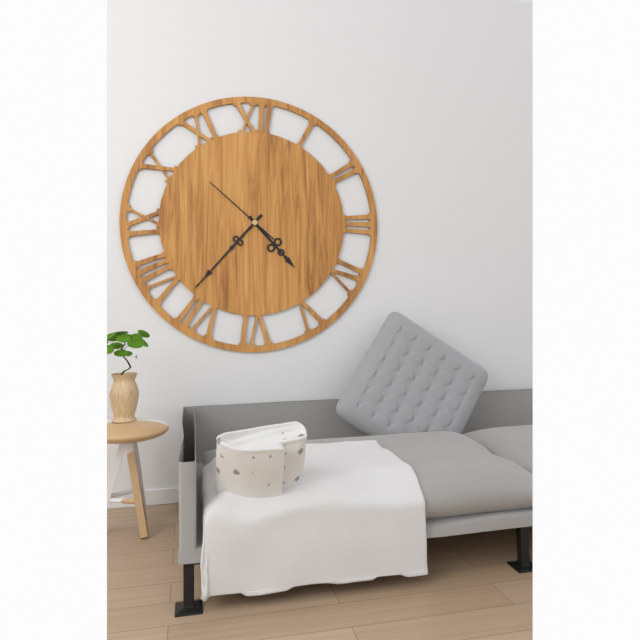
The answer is 4:37:52
